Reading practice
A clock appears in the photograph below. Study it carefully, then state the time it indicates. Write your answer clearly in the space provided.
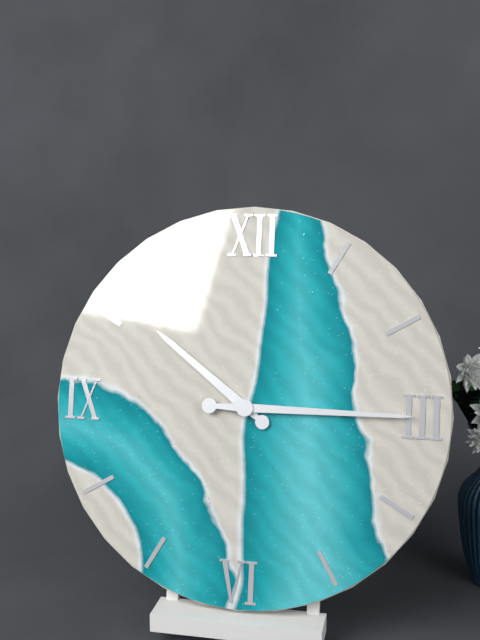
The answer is 10:15
